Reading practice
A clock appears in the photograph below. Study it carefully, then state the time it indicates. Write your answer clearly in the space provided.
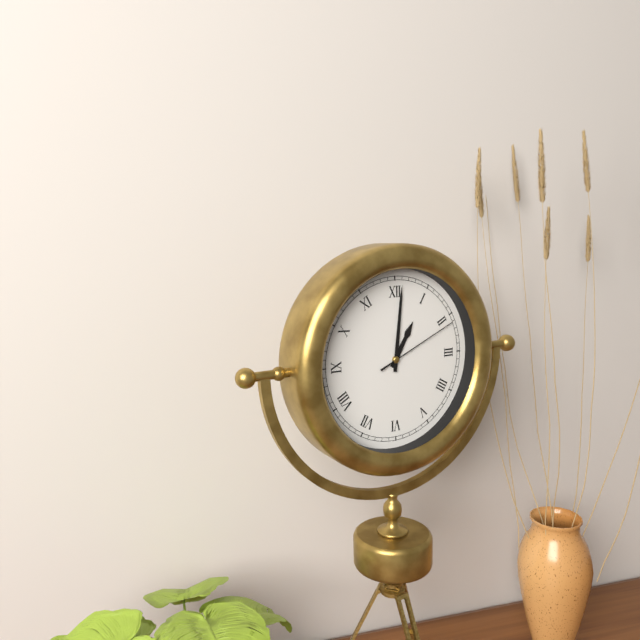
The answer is 1:01:11
